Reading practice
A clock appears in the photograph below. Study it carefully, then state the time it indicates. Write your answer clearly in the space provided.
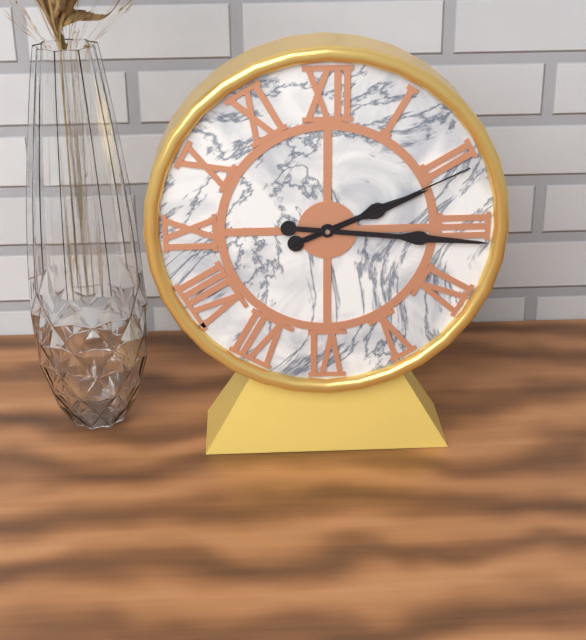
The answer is 2:16:11
